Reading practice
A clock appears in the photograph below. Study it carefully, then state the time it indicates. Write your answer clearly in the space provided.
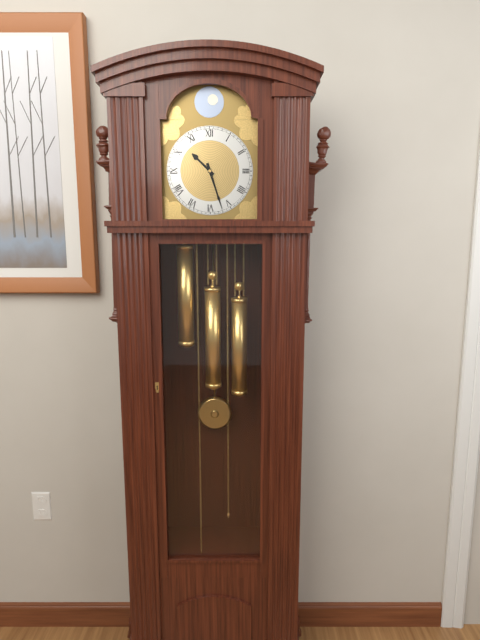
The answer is 10:27
